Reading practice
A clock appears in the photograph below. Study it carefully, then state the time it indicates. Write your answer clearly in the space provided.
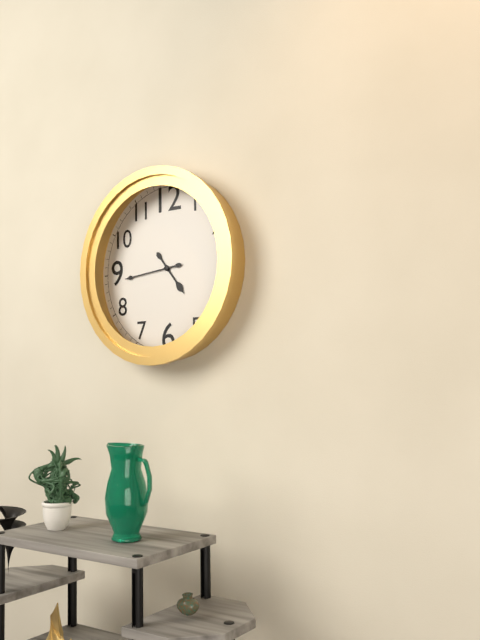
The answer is 4:44
